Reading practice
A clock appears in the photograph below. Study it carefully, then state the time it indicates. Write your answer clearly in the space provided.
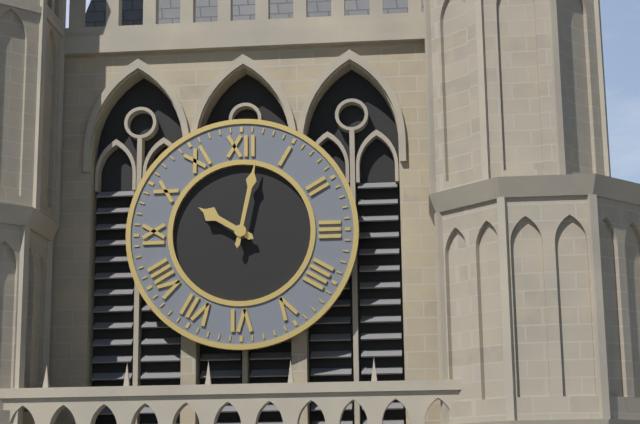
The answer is 10:02
